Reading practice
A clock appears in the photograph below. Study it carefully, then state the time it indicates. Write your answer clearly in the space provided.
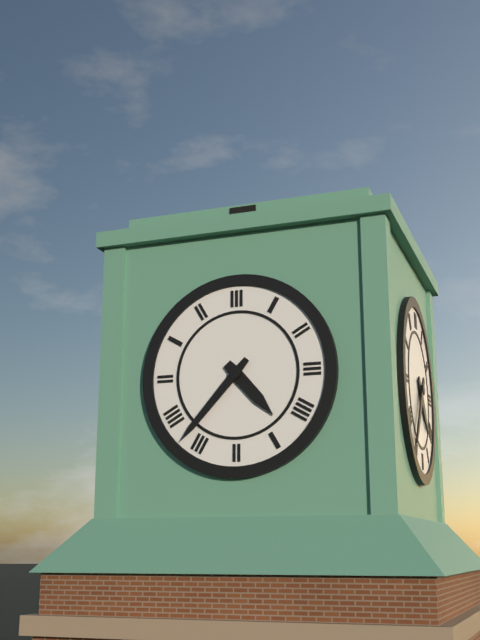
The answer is 4:37
